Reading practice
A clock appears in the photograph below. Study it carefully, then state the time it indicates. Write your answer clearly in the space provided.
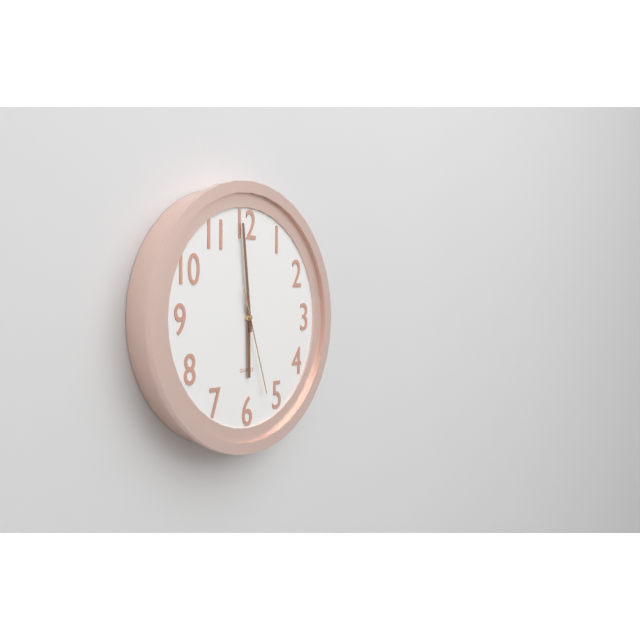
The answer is 5:59:27
